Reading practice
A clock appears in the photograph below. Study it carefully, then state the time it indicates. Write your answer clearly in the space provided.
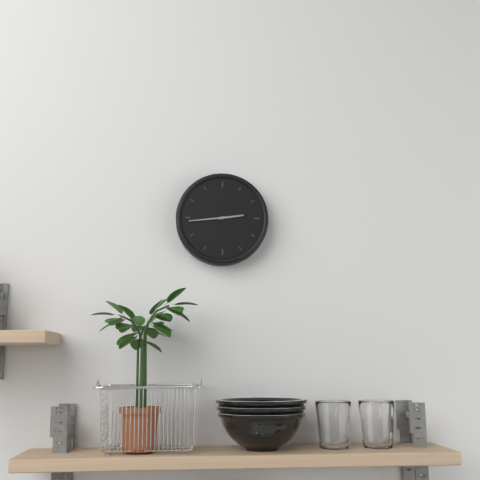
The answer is 2:44
